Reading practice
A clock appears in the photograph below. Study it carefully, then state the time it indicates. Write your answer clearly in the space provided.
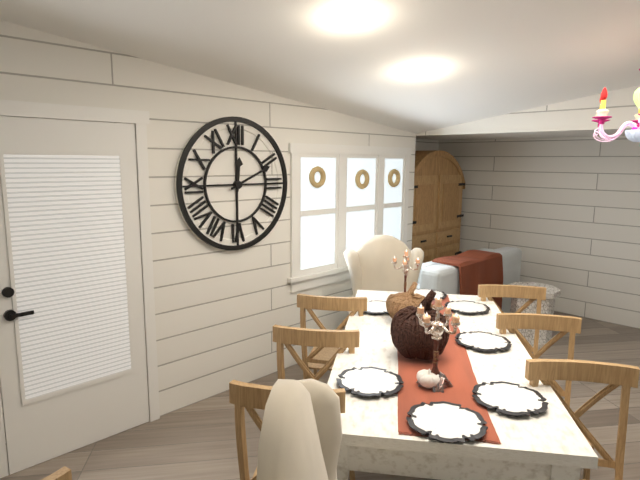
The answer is 12:11
